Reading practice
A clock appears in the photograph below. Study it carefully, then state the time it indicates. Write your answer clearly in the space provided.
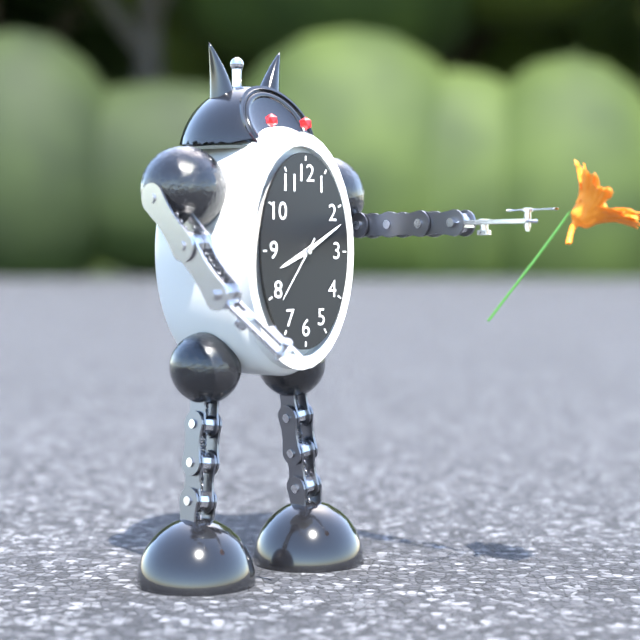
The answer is 8:10:36
